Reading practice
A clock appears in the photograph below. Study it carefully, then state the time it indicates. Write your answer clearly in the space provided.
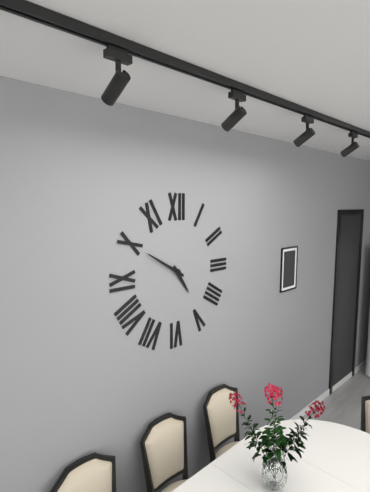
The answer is 4:50
